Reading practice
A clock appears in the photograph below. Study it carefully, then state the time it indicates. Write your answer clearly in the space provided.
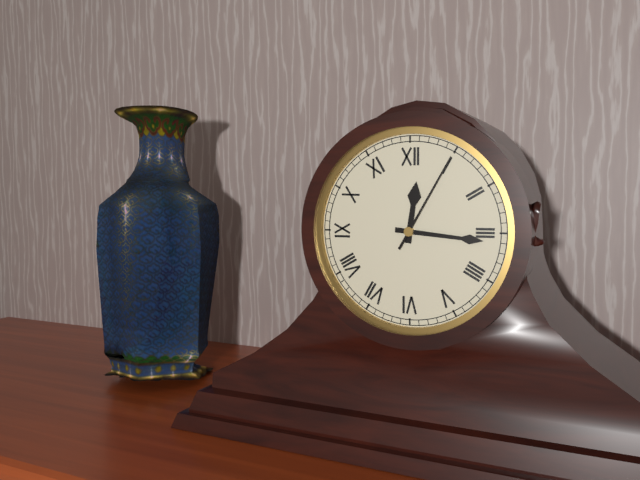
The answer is 12:16:05
